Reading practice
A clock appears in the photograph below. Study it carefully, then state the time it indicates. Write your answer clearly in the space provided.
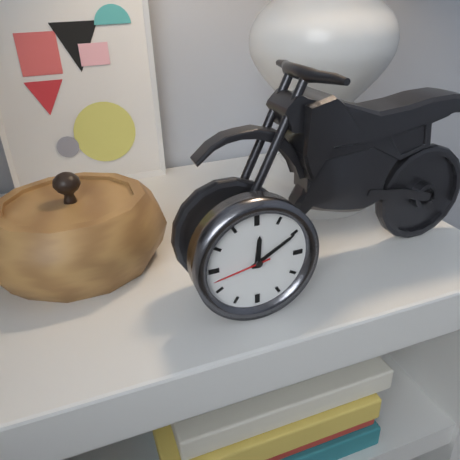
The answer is 12:10:43
